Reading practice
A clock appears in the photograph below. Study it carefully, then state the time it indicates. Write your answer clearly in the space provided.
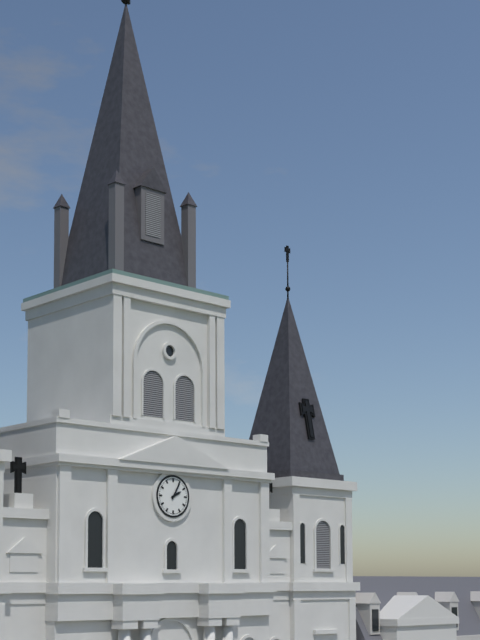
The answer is 2:05
